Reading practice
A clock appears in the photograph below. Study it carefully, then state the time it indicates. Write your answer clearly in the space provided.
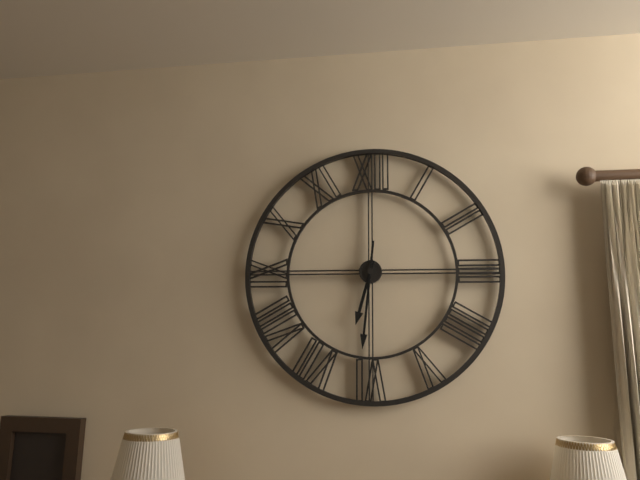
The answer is 6:31
